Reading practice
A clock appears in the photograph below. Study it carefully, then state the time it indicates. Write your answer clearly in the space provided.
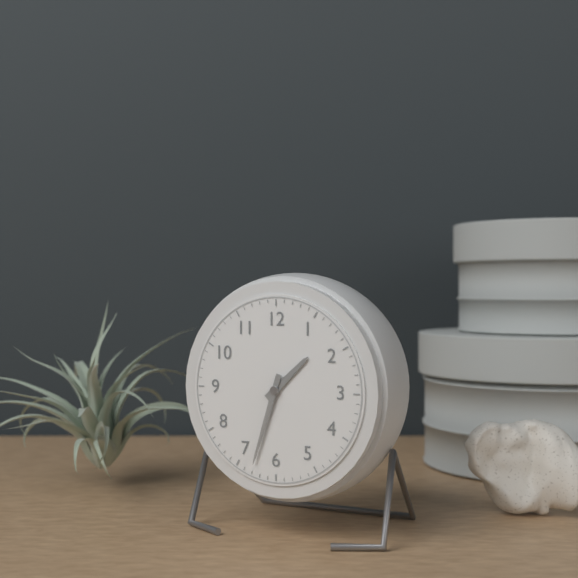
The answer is 1:33
